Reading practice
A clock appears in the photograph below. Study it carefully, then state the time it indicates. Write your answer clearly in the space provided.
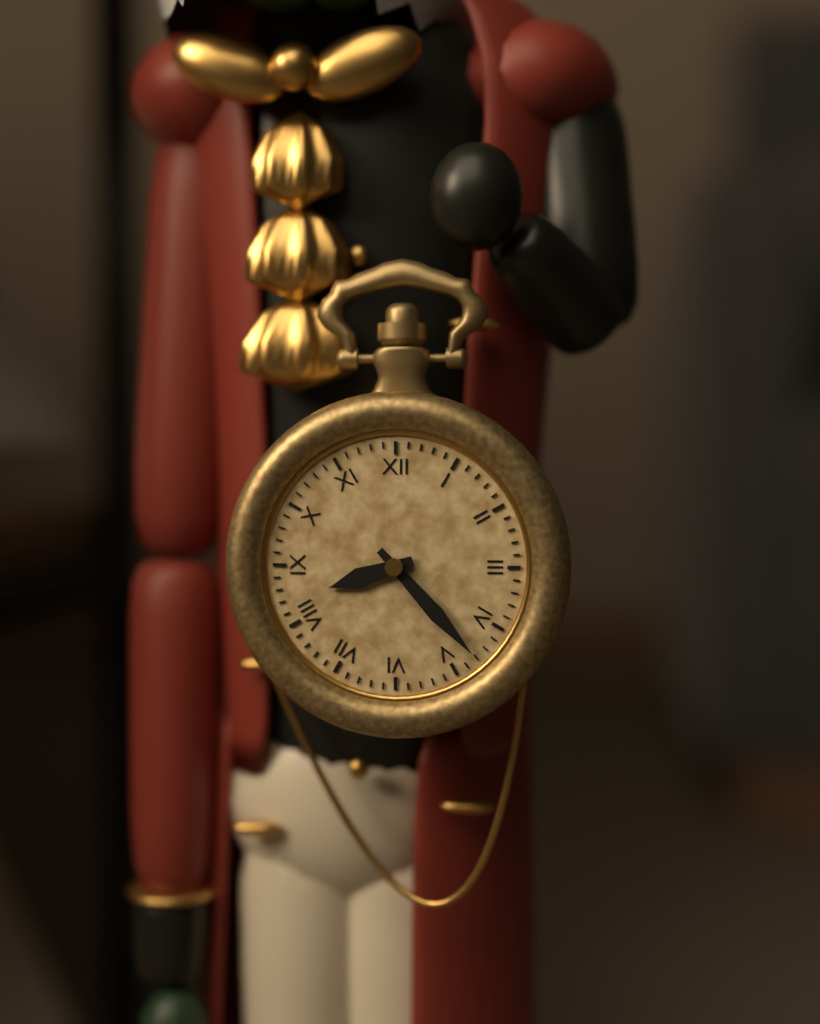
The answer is 8:23
